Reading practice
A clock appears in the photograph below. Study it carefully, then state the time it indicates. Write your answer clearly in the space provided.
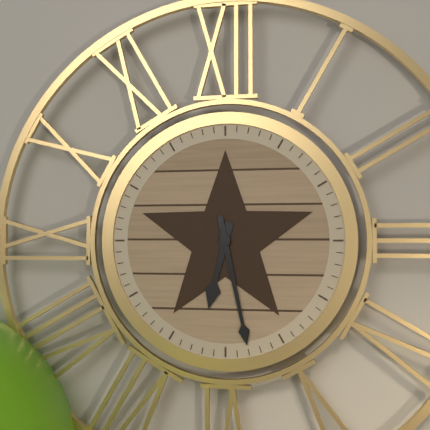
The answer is 6:28
